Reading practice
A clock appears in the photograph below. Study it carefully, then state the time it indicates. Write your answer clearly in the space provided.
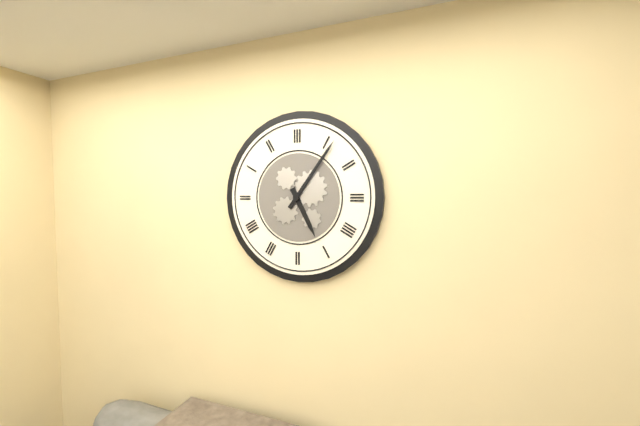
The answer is 5:06
